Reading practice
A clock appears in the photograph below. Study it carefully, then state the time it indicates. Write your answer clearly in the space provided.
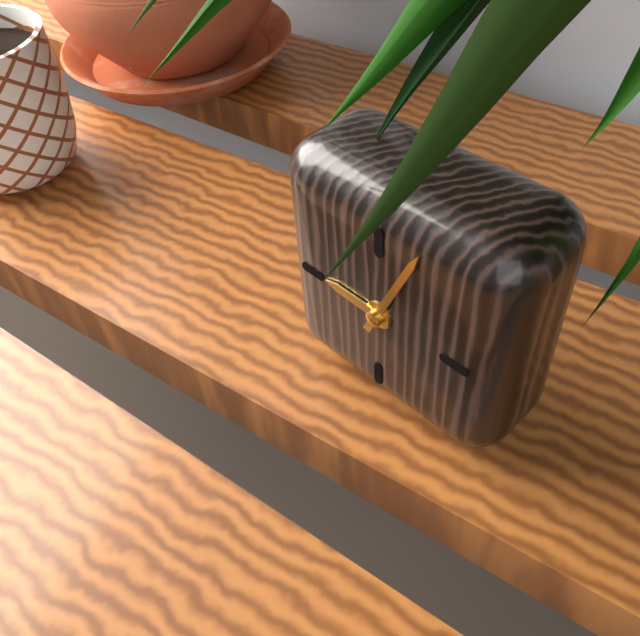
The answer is 9:04
